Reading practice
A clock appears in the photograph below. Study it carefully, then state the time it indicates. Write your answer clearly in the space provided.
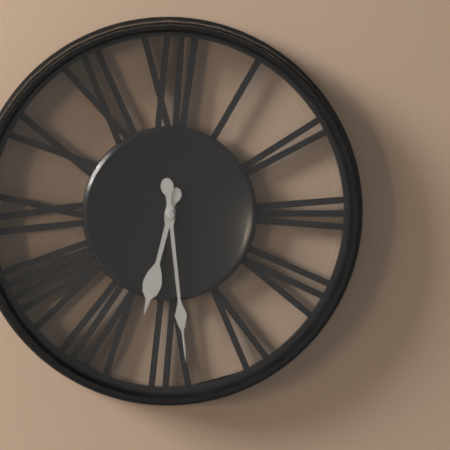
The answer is 6:29
